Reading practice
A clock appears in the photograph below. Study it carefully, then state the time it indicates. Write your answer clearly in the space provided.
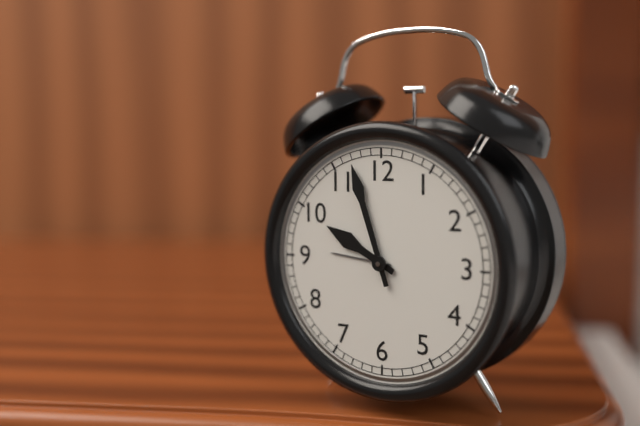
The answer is 9:57
